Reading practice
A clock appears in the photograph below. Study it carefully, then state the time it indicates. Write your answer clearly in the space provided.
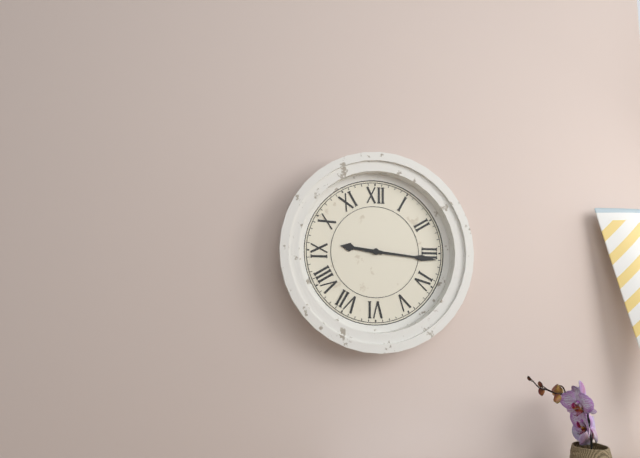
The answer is 9:16
